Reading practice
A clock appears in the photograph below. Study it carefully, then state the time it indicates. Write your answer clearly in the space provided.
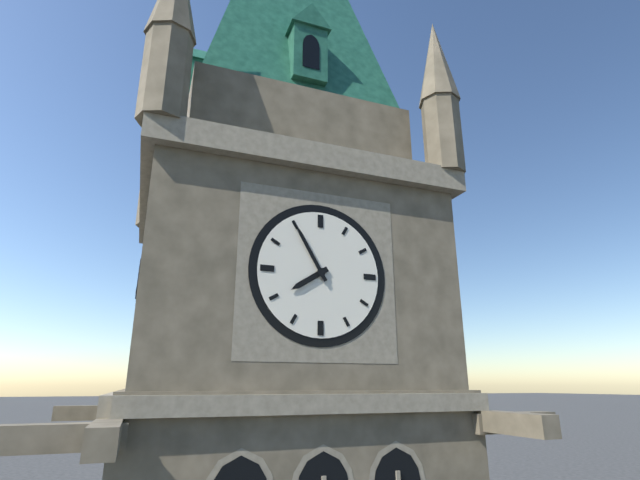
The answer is 7:55
